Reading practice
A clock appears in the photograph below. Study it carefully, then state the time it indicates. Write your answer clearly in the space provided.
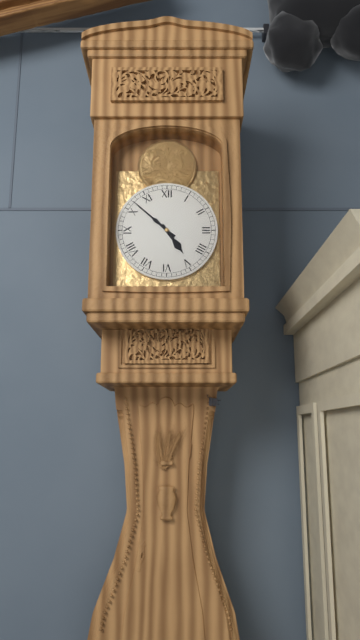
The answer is 4:52
